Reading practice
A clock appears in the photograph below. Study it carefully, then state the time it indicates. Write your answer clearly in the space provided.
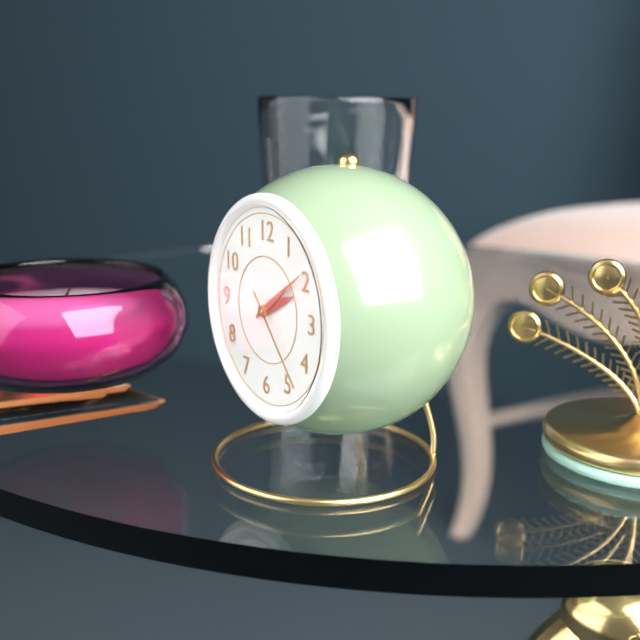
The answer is 2:09:23
